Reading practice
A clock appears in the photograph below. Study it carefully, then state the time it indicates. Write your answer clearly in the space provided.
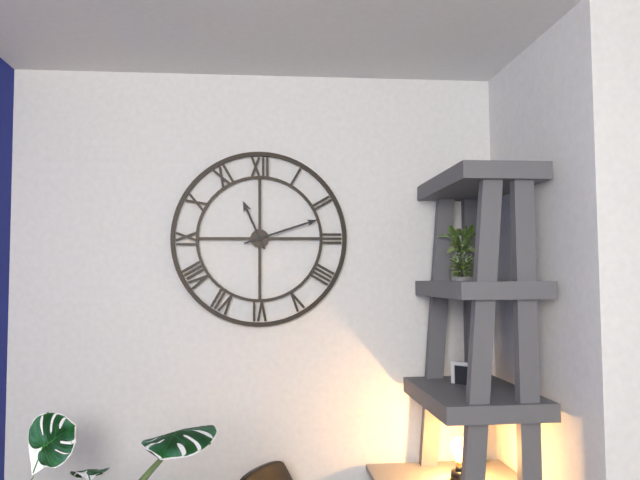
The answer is 11:12
